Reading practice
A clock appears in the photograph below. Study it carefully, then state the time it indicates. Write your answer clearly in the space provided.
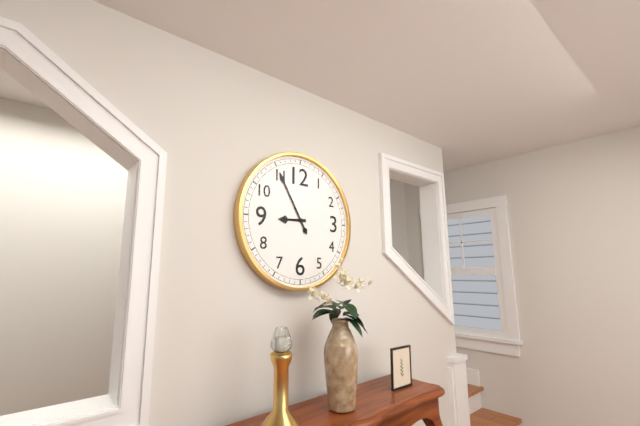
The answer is 8:55
